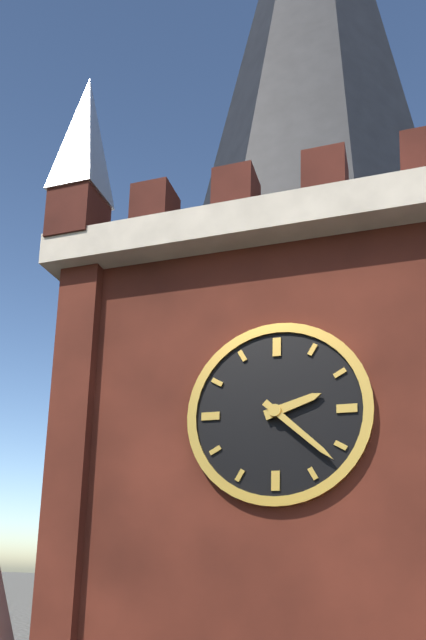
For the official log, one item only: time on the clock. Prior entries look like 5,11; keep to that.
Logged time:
2,22
